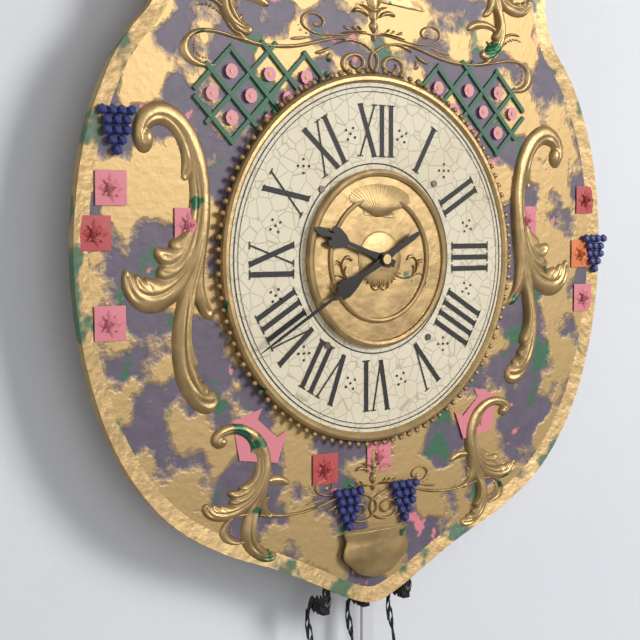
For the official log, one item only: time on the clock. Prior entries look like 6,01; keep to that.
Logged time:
9,40
